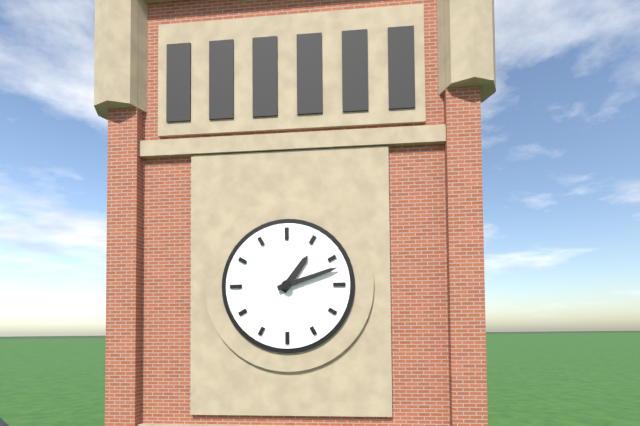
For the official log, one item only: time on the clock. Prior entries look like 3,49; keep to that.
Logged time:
1,12
